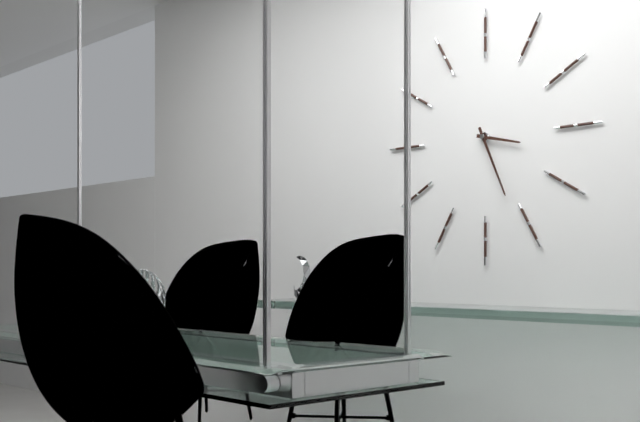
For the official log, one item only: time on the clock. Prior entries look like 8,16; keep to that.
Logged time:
3,26
